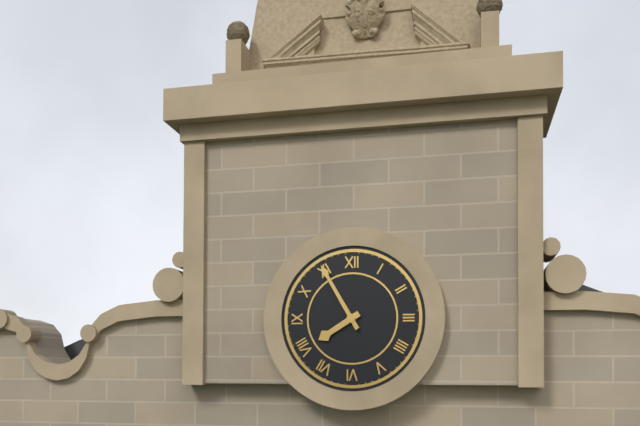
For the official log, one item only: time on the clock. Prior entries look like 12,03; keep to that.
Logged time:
7,55
